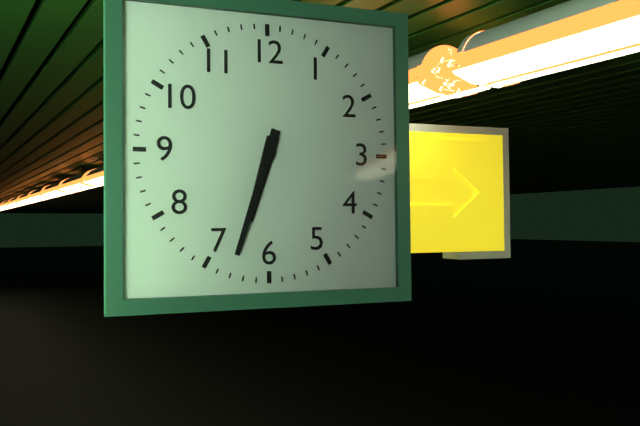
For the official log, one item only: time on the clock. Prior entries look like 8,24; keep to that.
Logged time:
6,33
